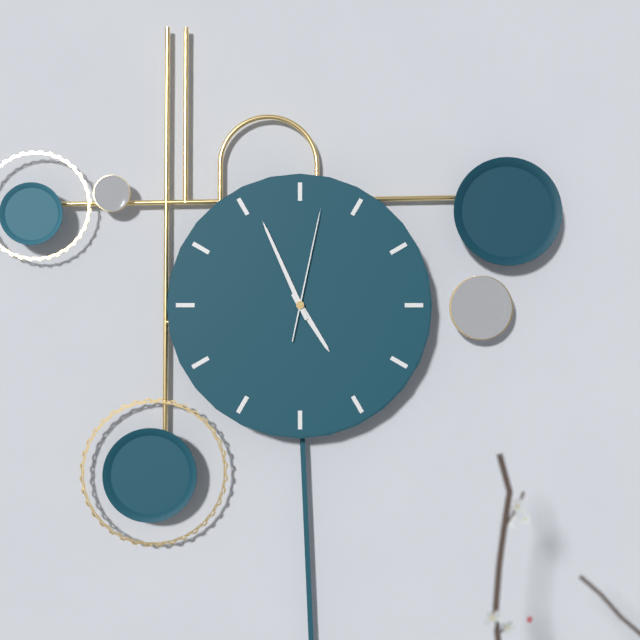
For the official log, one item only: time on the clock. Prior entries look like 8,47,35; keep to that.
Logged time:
4,56,02
